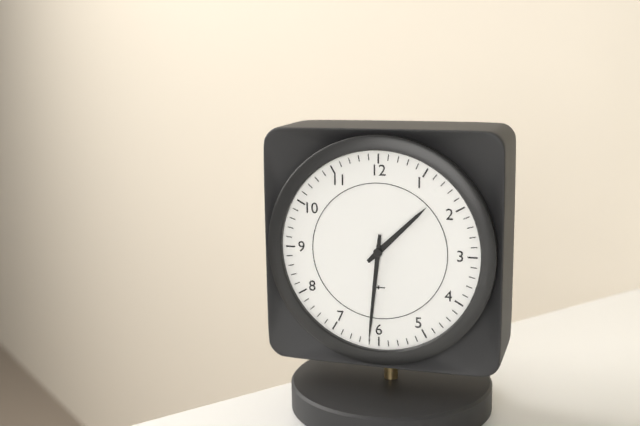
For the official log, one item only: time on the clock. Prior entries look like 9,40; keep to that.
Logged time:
1,31
